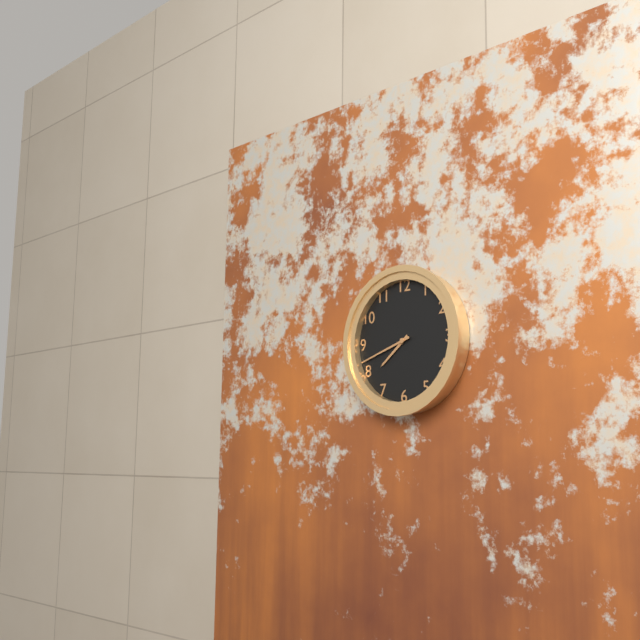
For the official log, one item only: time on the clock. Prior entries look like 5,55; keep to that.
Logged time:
7,42
